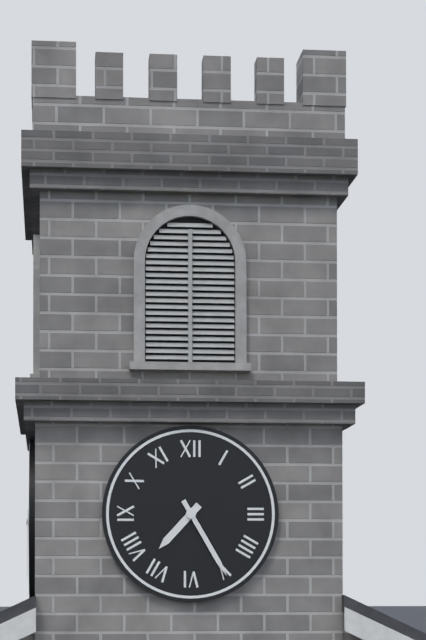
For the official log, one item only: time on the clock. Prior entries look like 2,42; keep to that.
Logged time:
7,25
